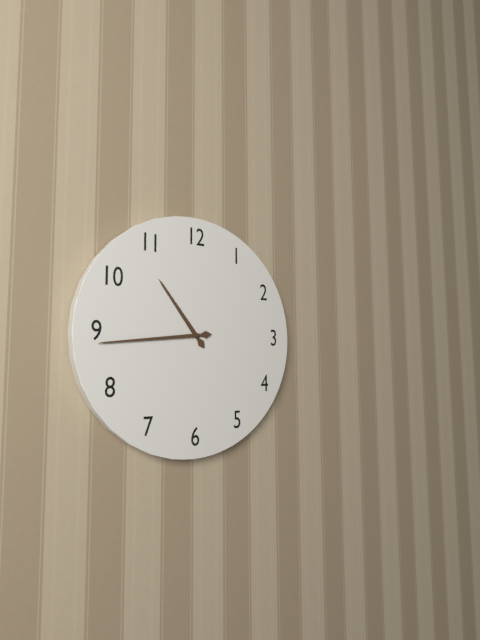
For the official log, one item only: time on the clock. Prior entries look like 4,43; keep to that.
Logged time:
10,44
